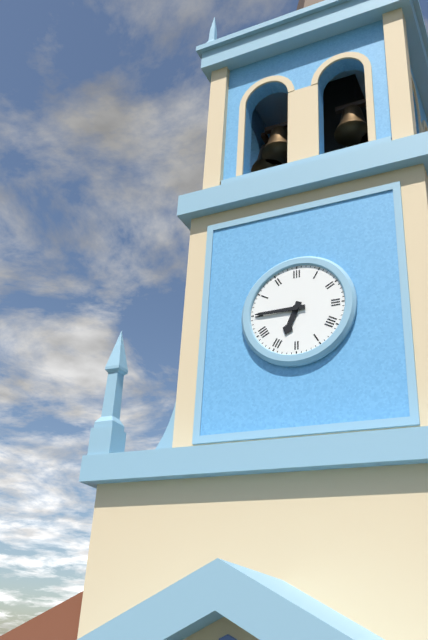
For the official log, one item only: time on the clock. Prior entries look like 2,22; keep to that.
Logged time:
6,45
